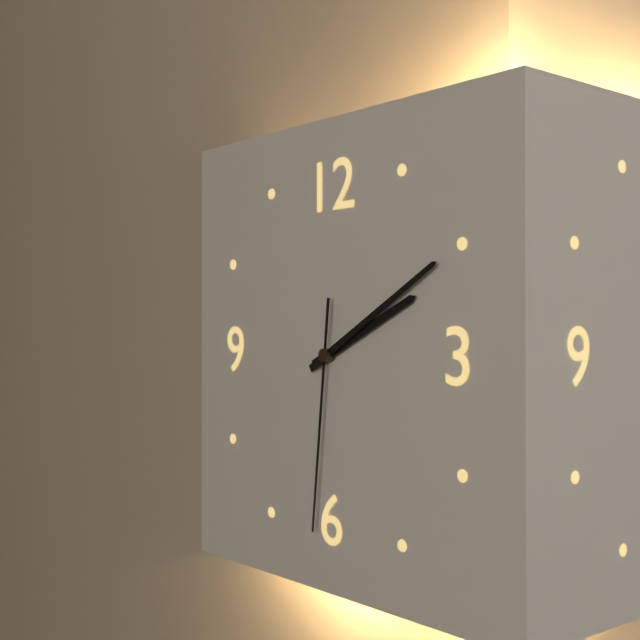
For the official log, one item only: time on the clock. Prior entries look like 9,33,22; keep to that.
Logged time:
2,10,31
